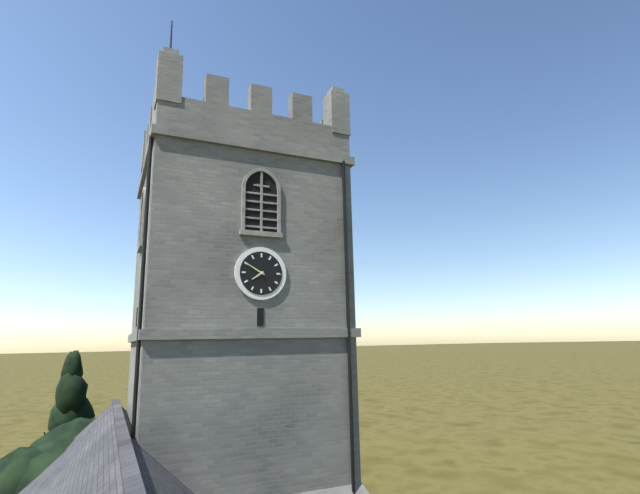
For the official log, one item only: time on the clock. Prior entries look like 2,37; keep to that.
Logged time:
7,50
